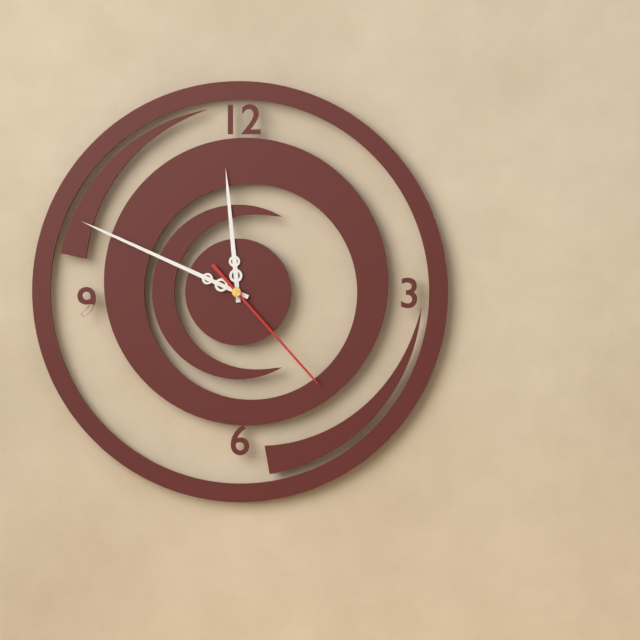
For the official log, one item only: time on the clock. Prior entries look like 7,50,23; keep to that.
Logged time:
11,49,23
